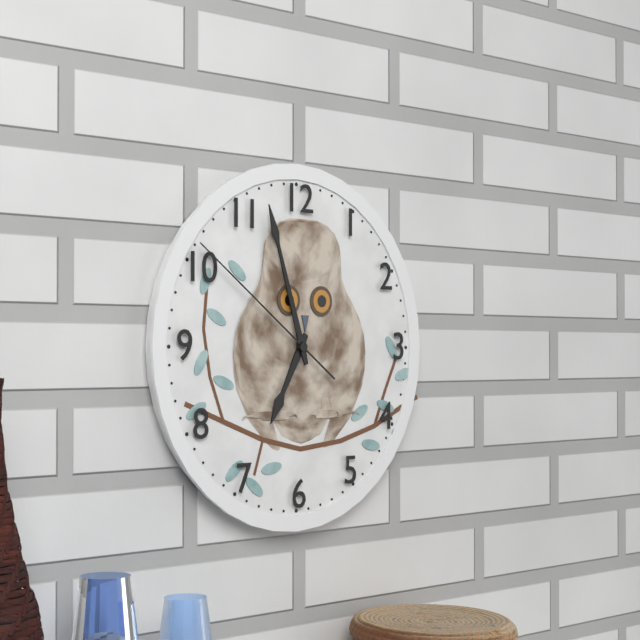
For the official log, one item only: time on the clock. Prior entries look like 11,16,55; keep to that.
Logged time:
6,57,51
